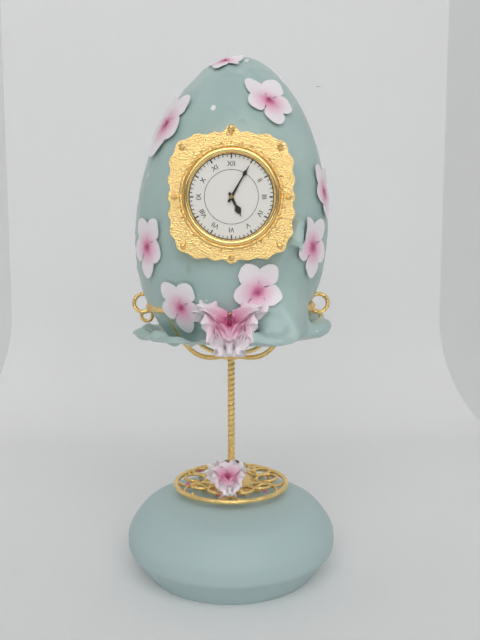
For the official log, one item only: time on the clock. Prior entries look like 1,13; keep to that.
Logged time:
5,05
